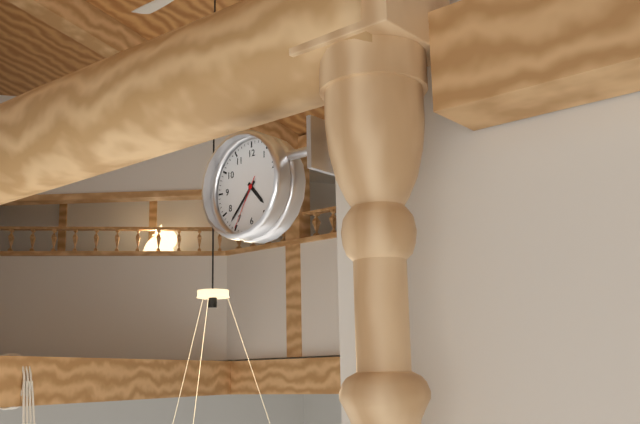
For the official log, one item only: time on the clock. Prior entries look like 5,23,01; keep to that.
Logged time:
4,37,35
